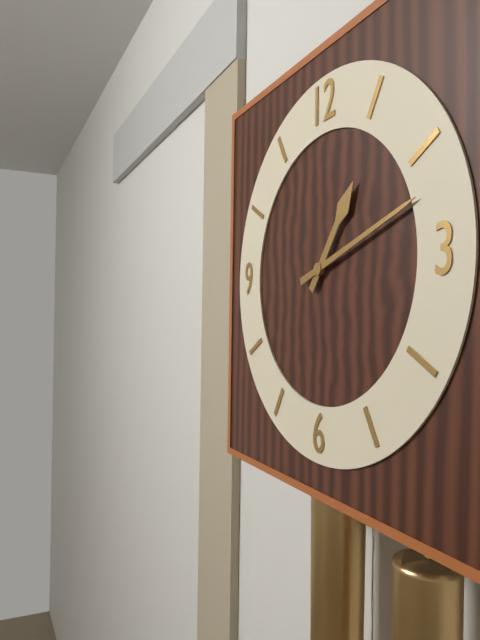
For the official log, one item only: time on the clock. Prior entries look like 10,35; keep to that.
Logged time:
1,12
